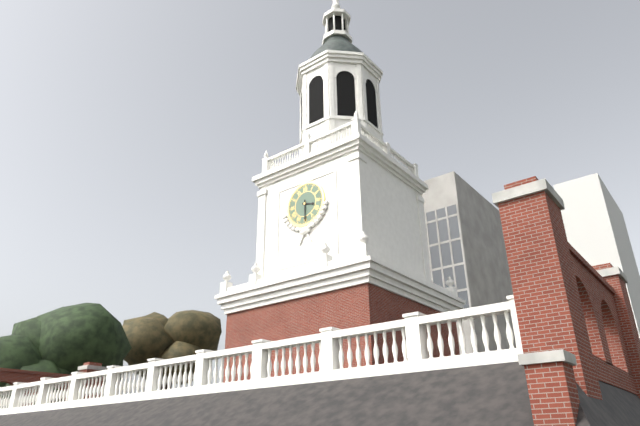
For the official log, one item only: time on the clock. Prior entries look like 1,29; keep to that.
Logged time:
3,30
